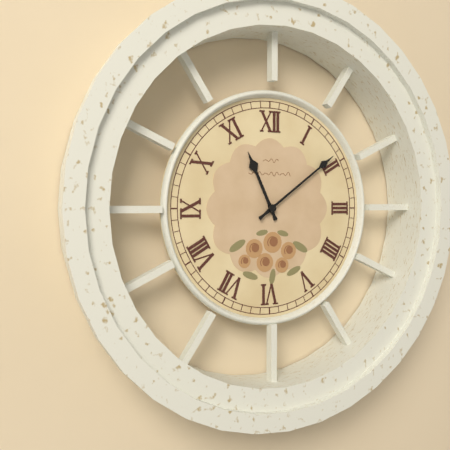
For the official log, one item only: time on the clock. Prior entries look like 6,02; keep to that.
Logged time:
11,09
